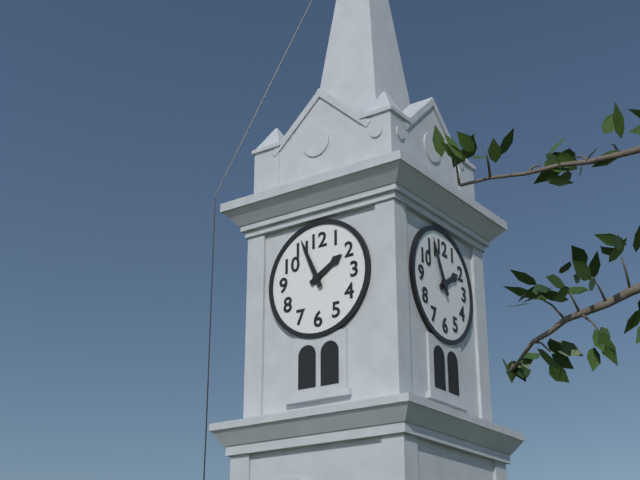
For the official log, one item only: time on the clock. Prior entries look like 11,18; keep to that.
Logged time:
1,56
